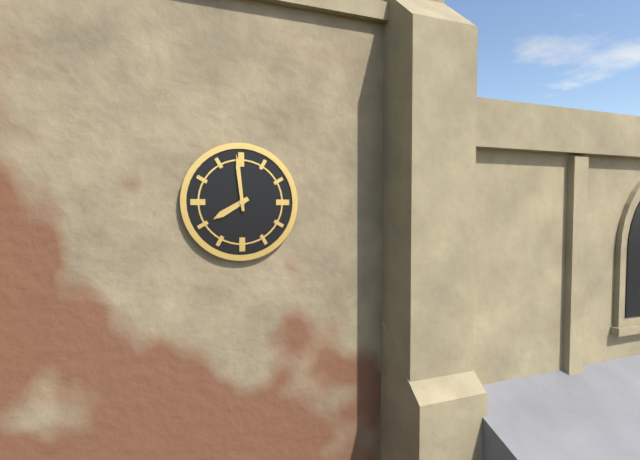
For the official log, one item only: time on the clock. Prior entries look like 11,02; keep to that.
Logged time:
7,59
